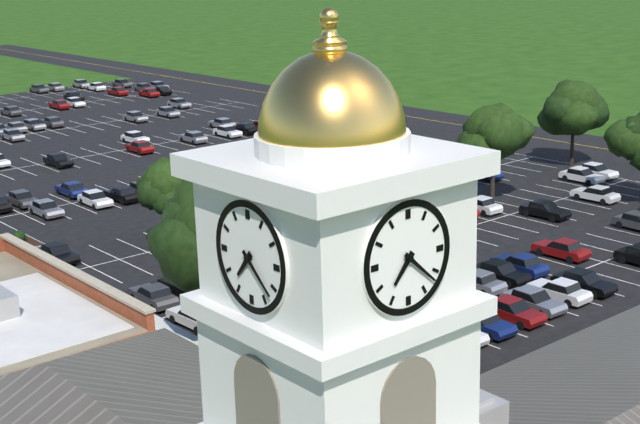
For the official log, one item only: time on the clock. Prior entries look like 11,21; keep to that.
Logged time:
7,22
